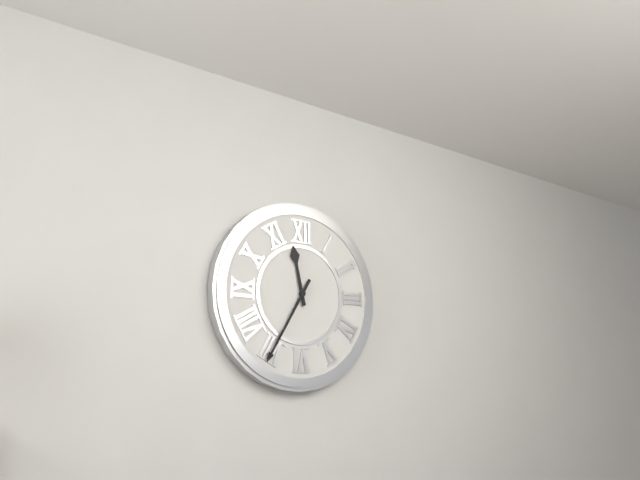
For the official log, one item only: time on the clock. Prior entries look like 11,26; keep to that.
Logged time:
11,35
